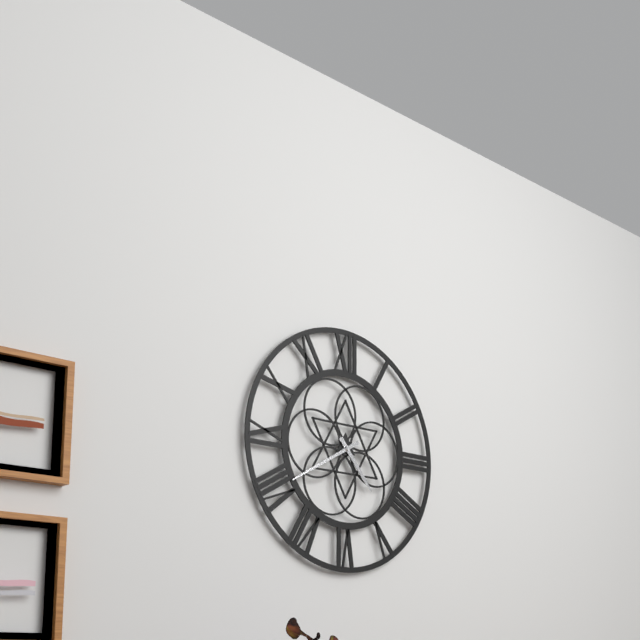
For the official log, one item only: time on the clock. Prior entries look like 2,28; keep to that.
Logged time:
4,40
